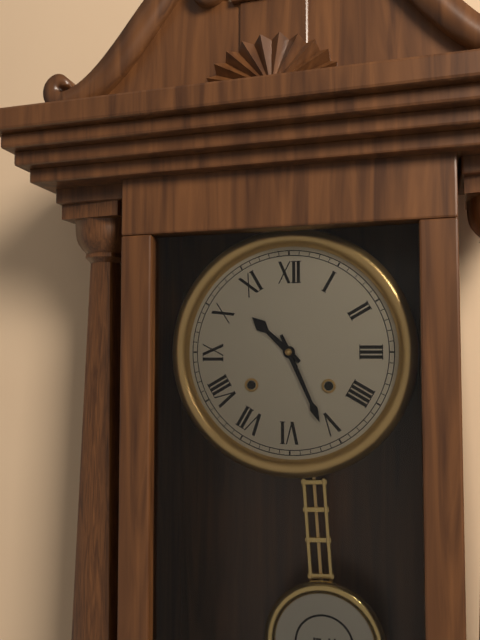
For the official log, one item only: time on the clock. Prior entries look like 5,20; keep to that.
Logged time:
10,26
